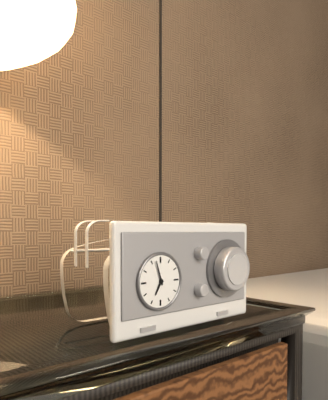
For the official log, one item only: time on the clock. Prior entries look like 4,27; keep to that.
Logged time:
6,57
